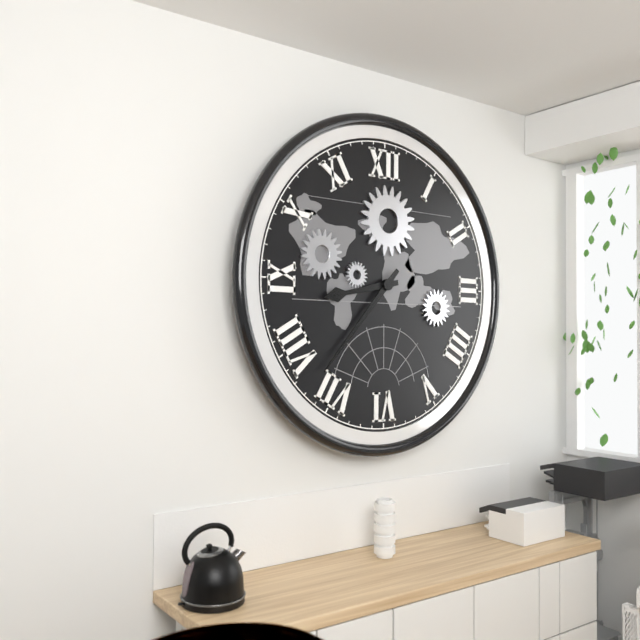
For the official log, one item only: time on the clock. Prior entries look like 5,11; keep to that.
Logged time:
8,37
